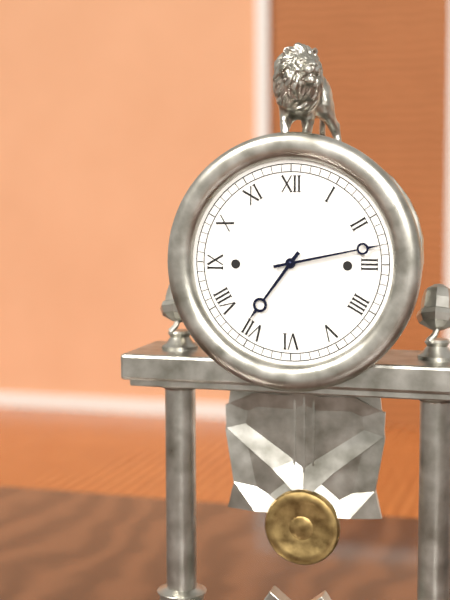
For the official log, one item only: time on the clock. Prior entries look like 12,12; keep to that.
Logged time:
7,13
